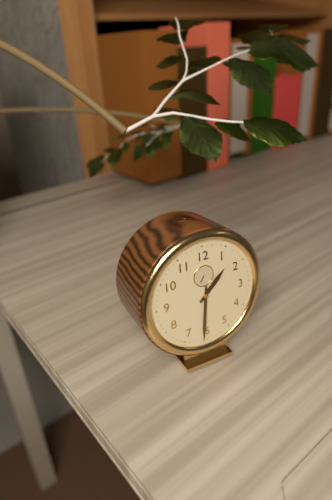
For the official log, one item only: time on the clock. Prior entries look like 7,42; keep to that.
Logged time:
1,31
